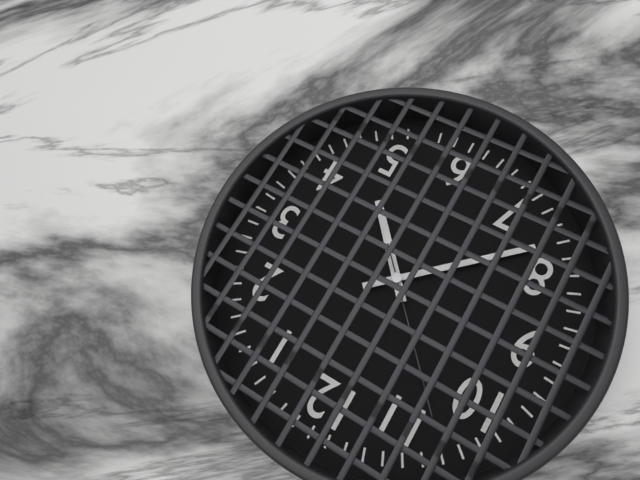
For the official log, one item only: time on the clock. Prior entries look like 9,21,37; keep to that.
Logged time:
4,38,53
